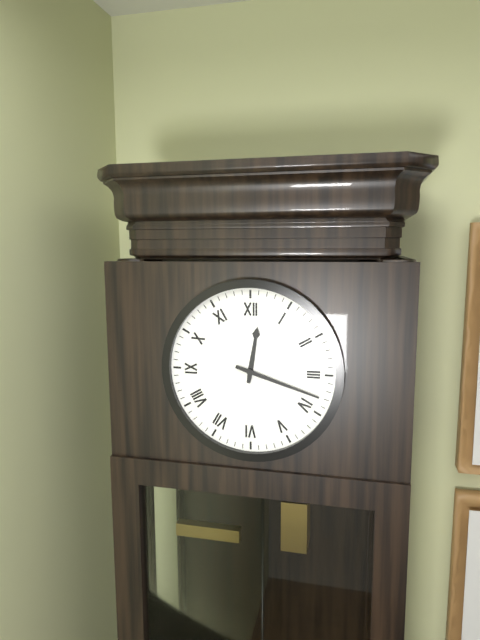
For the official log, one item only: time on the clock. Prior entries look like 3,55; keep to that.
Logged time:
12,18
